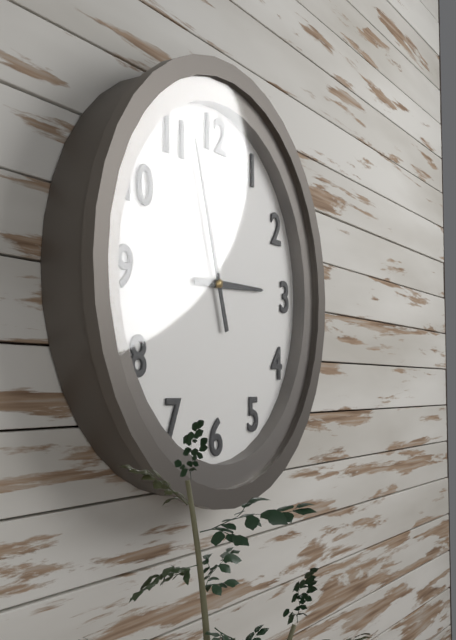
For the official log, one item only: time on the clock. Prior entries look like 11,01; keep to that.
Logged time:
2,57
